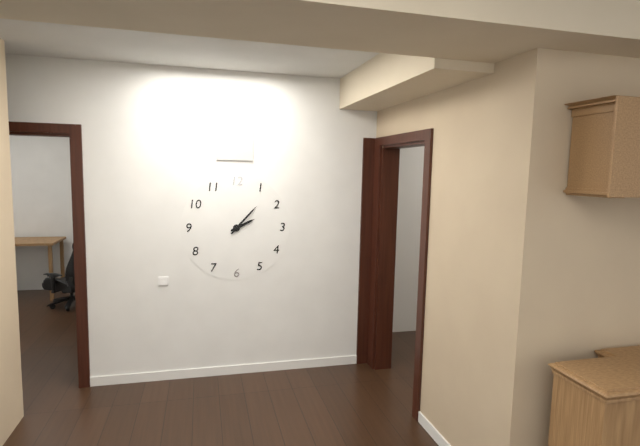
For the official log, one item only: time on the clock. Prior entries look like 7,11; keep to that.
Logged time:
2,07
